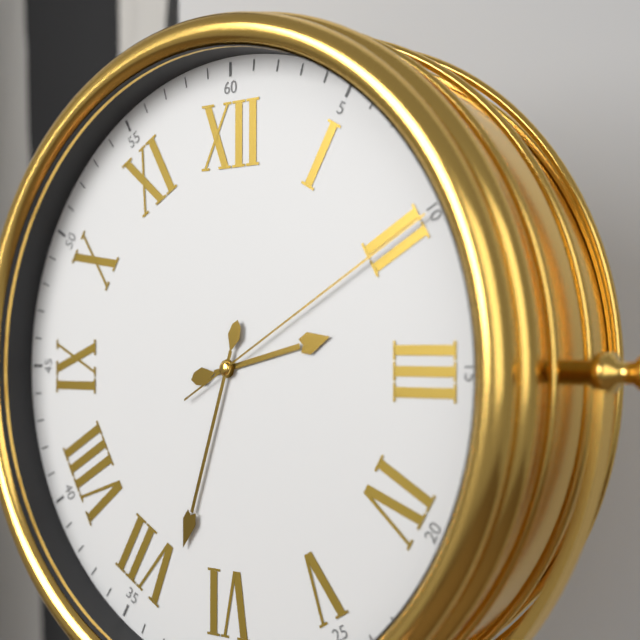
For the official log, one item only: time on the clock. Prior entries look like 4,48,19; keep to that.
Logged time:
2,33,10
